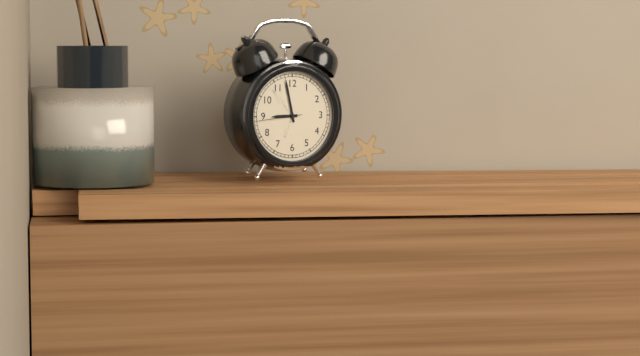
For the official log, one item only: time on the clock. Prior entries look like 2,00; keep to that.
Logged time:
8,58
